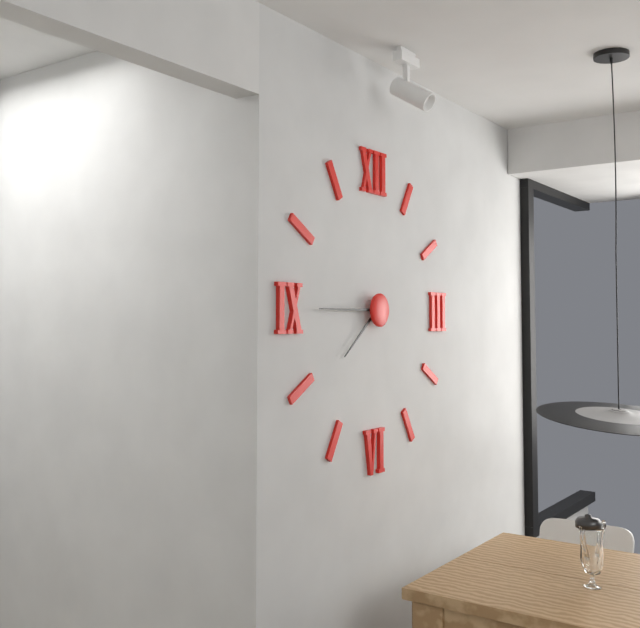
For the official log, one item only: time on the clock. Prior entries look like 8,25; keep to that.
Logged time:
7,45
